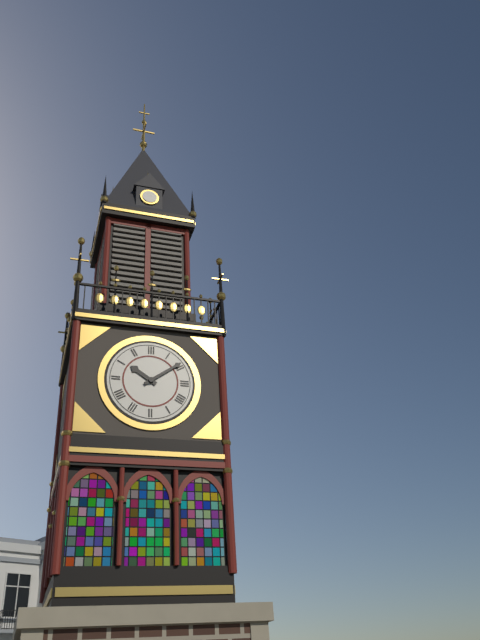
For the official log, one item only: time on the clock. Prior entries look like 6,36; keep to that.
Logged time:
10,09
